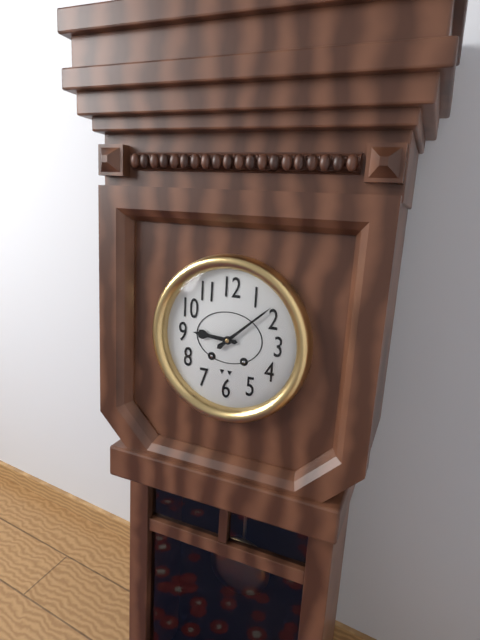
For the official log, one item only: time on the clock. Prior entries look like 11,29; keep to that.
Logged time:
9,08
